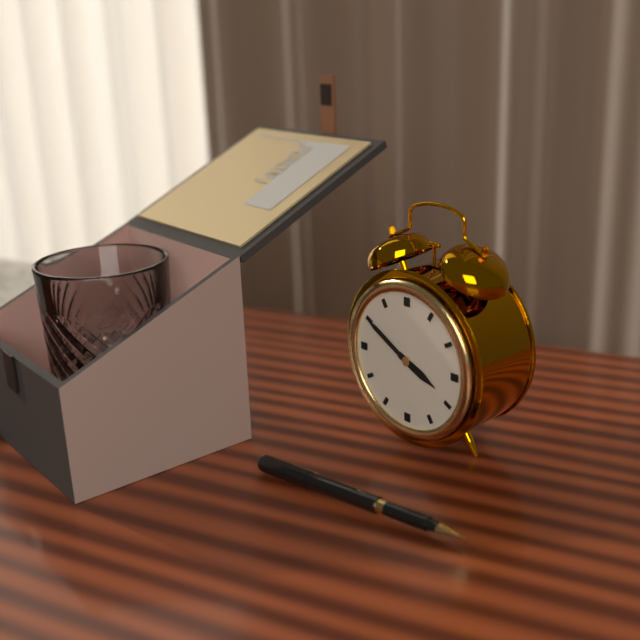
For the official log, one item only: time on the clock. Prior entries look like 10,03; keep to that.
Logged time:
3,50
